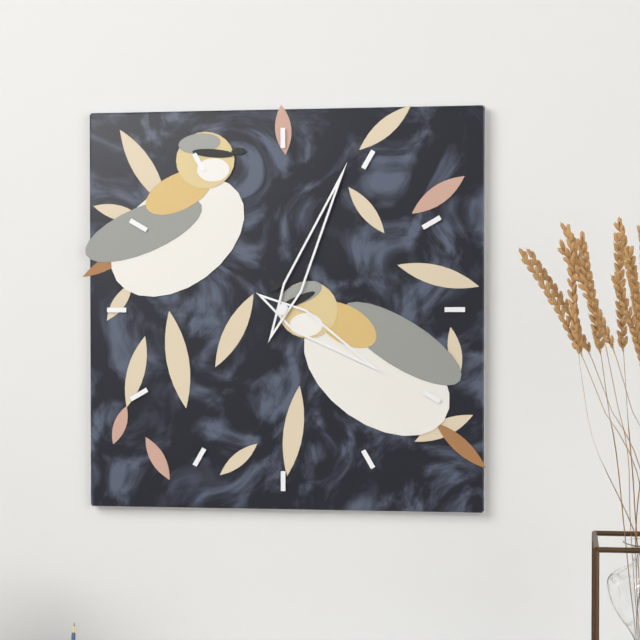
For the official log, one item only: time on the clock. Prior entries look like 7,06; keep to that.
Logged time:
4,04
